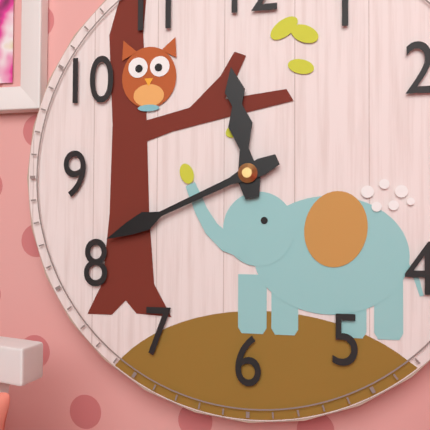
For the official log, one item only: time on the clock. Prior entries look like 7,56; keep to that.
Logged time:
11,41
